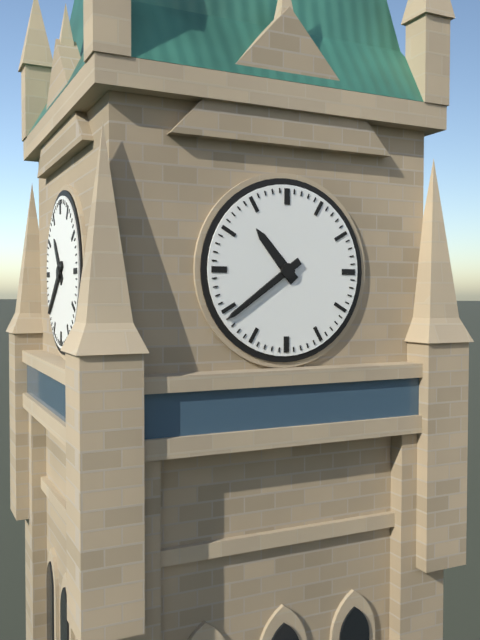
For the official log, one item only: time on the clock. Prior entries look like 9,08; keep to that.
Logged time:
10,39
